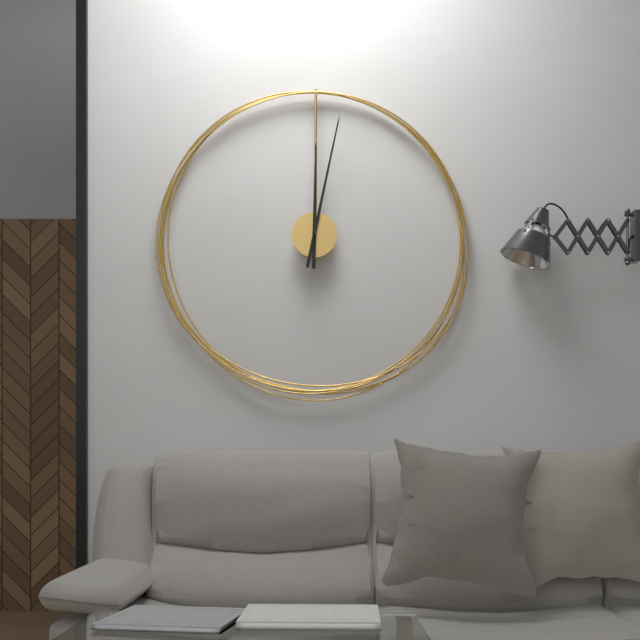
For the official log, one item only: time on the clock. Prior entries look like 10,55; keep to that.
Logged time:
12,02
